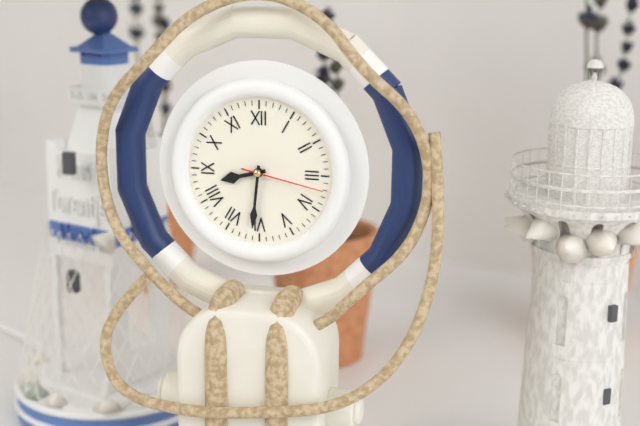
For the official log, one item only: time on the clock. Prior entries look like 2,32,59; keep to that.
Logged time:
8,31,17
